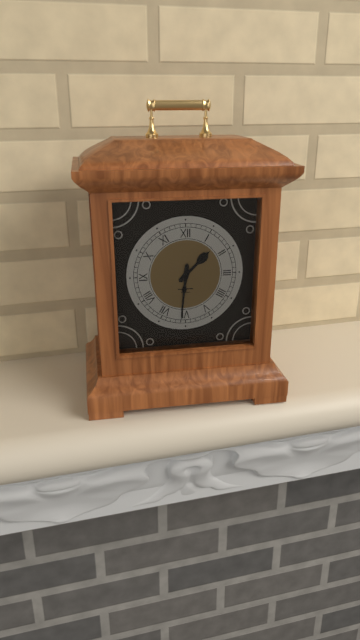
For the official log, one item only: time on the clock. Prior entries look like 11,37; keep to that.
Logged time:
1,31
